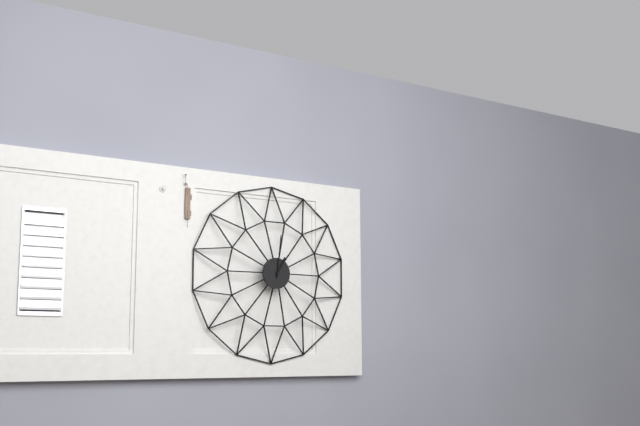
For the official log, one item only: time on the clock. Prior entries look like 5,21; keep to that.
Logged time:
1,01
